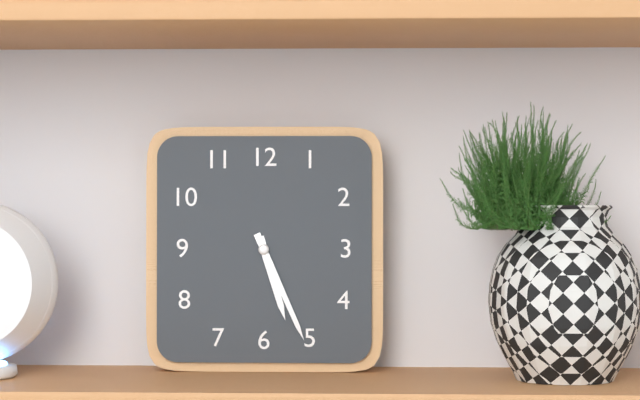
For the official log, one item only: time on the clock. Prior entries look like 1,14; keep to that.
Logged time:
5,26
